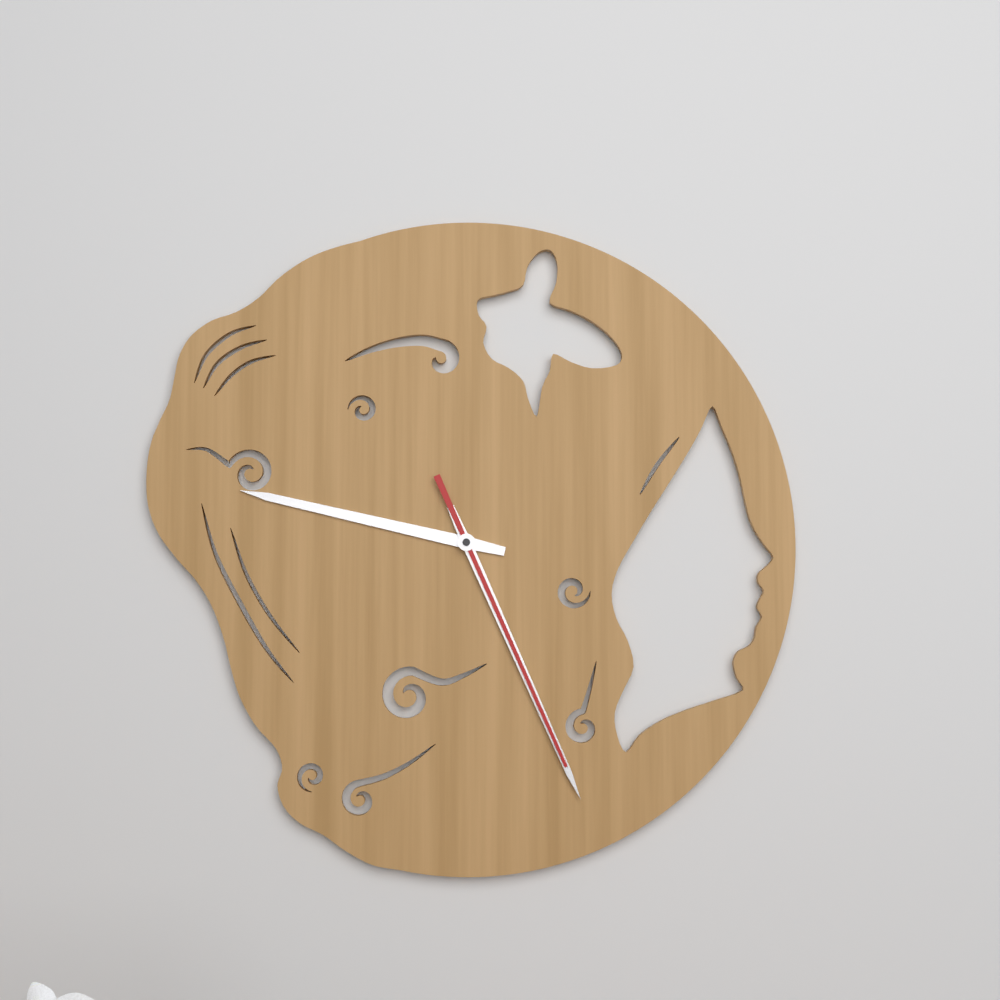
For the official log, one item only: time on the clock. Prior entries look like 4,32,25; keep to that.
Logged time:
9,26,26
